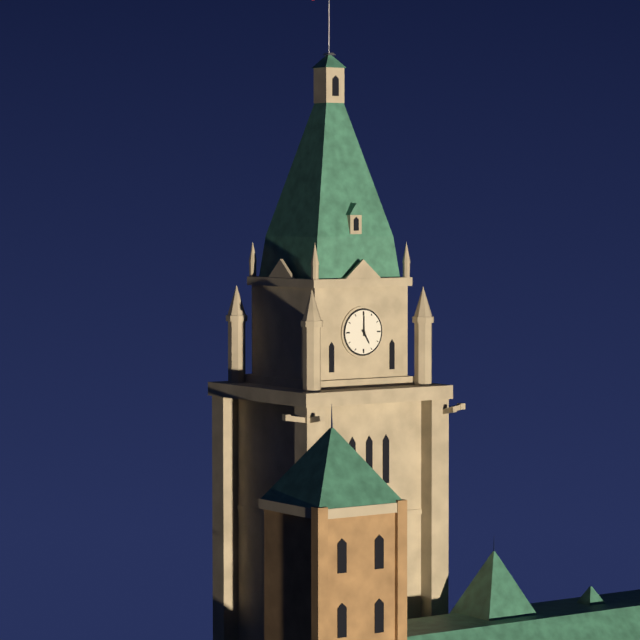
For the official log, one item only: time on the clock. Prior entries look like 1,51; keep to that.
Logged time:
5,00
